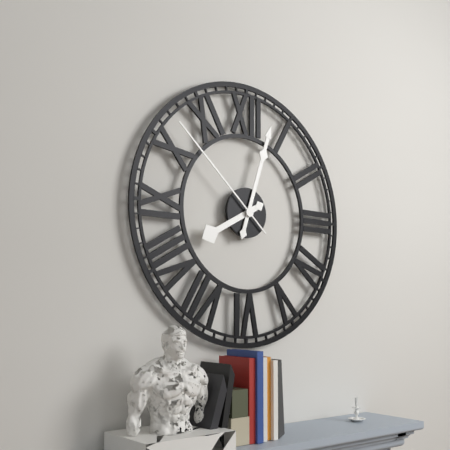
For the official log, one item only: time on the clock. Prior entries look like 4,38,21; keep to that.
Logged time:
8,03,52
